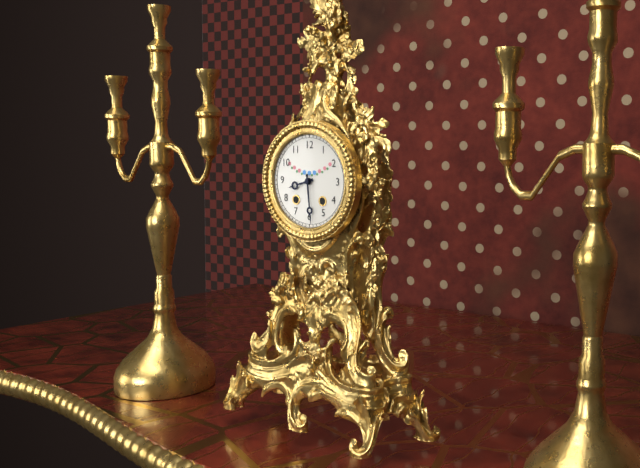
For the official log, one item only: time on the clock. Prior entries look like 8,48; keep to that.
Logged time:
8,29
